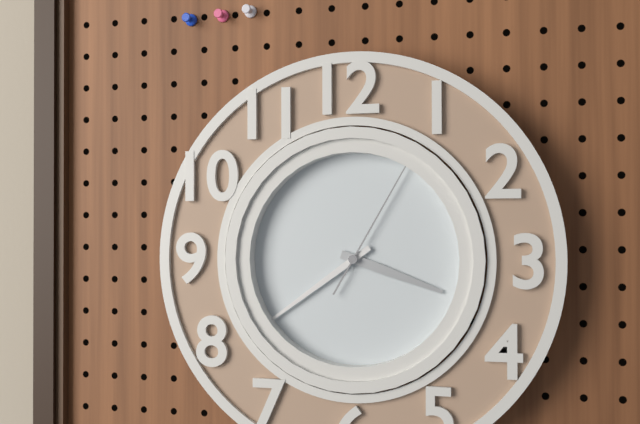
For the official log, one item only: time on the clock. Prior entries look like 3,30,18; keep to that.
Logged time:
3,39,05
